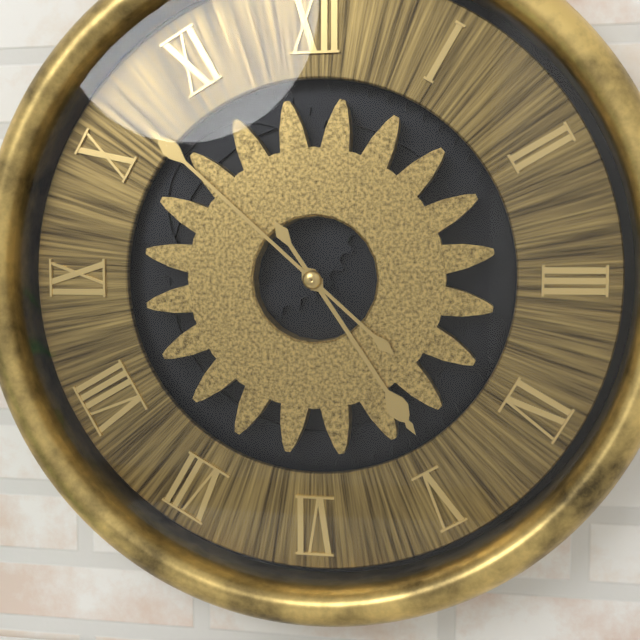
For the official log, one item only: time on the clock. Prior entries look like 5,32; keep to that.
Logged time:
4,52
